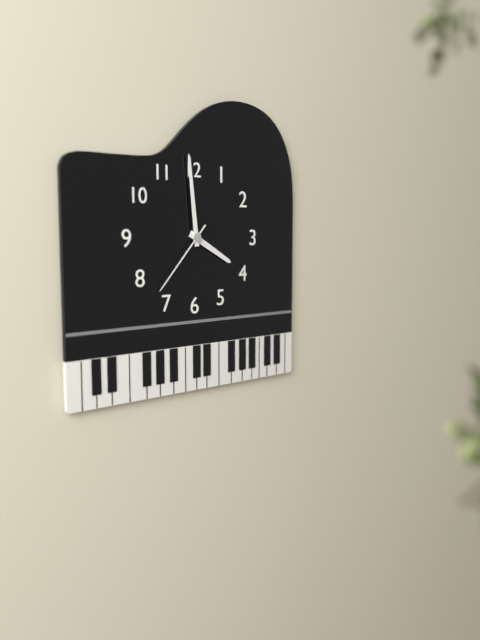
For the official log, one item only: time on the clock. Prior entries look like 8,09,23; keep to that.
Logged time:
3,59,37
